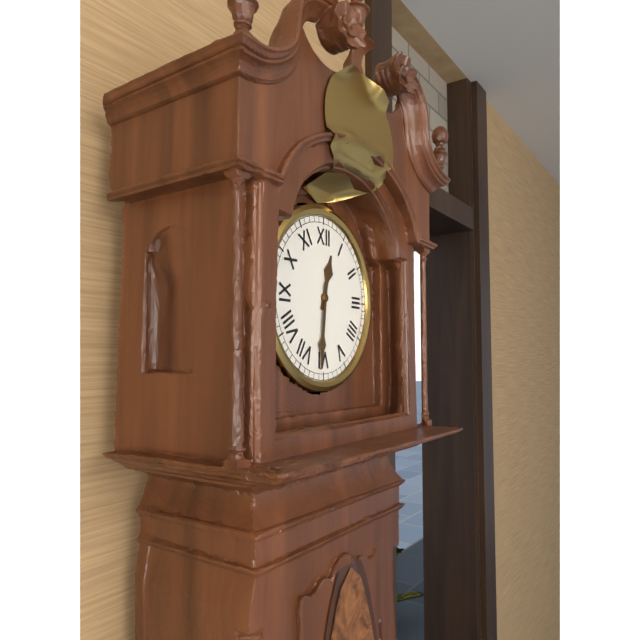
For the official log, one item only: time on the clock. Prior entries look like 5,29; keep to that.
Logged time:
12,31
